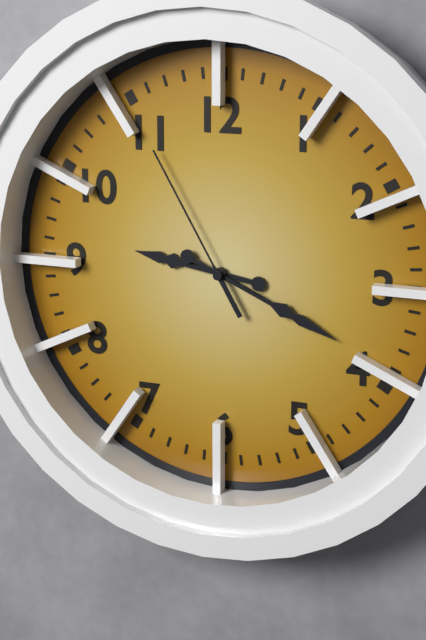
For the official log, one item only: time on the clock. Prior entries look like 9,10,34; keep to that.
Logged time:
9,19,55
